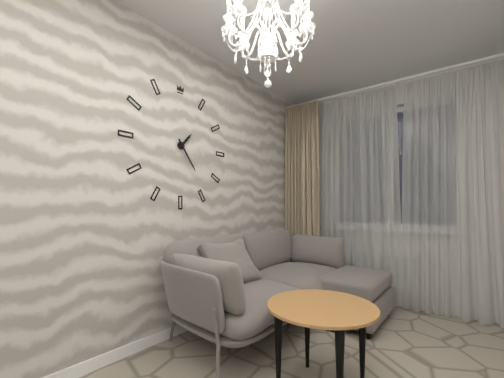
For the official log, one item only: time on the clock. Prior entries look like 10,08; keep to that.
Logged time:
1,24
